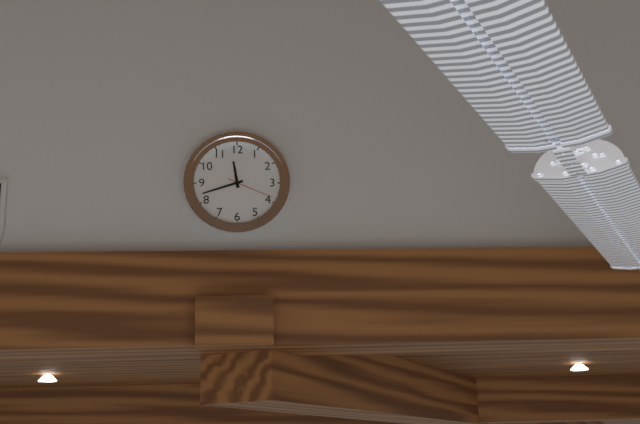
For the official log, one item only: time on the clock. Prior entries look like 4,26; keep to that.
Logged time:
11,42
